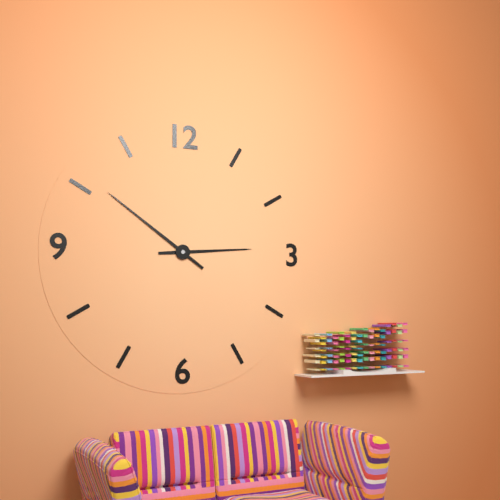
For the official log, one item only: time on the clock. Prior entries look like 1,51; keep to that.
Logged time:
2,51
